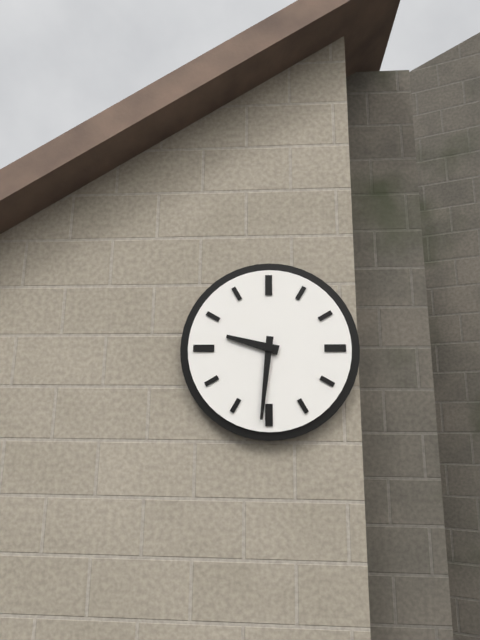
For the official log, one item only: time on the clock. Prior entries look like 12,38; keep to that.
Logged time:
9,31
